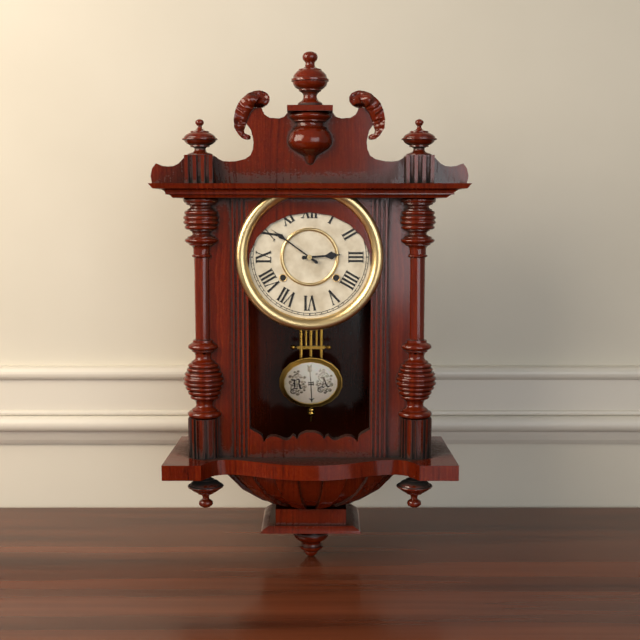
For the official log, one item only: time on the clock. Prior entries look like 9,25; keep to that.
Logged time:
2,51
